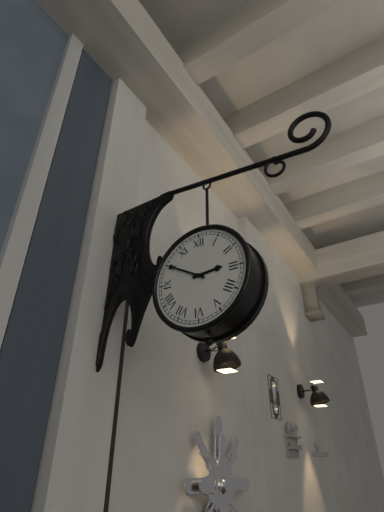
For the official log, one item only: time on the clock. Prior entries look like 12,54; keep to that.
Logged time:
2,50
